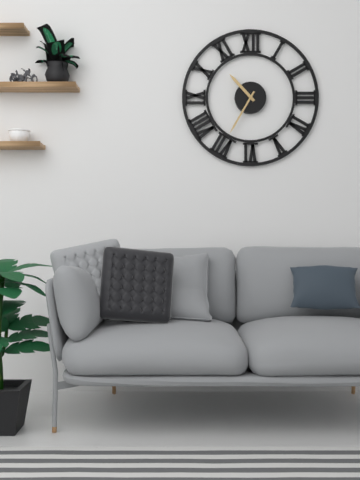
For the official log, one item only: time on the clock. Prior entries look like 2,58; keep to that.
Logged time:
10,35
